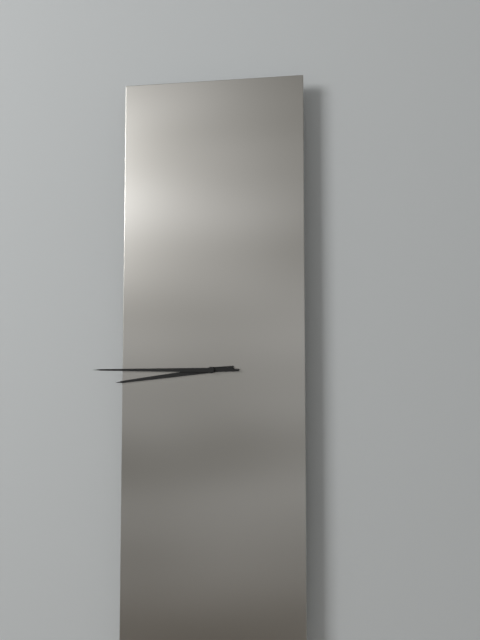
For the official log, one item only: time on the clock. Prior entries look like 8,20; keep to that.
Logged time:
8,45
